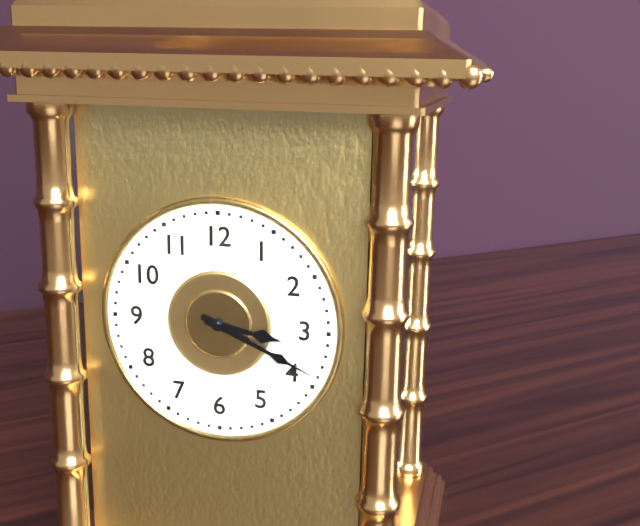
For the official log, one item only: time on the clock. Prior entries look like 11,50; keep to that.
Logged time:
3,19
